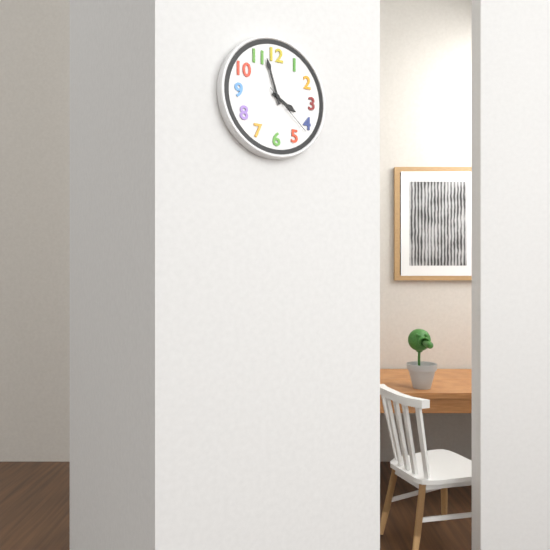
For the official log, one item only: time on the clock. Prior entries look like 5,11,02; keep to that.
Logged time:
3,57,22
